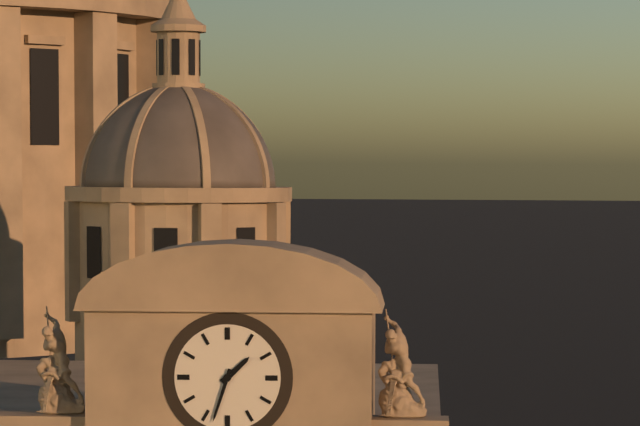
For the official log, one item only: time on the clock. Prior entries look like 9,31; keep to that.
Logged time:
1,33
